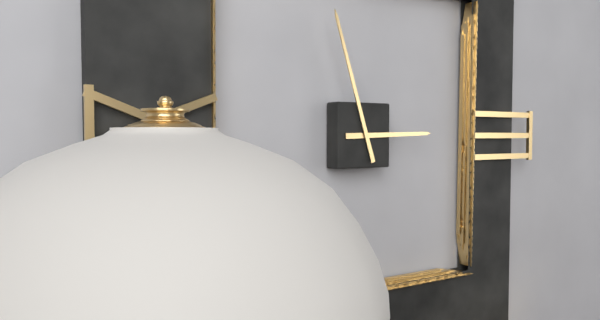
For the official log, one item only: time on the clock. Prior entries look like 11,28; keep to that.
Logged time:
2,57
